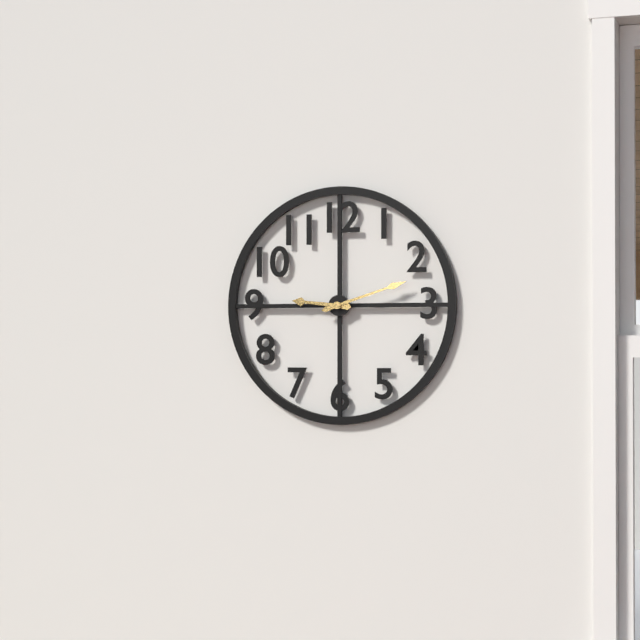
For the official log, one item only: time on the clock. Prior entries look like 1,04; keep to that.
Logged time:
9,12
